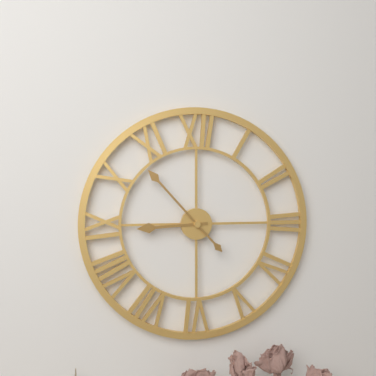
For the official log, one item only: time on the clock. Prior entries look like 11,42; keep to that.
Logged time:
8,53
